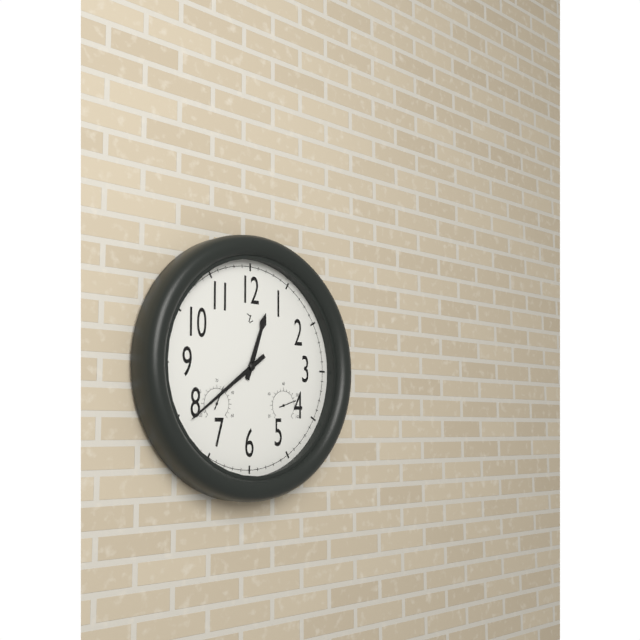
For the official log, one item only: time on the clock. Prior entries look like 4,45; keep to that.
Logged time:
12,39
